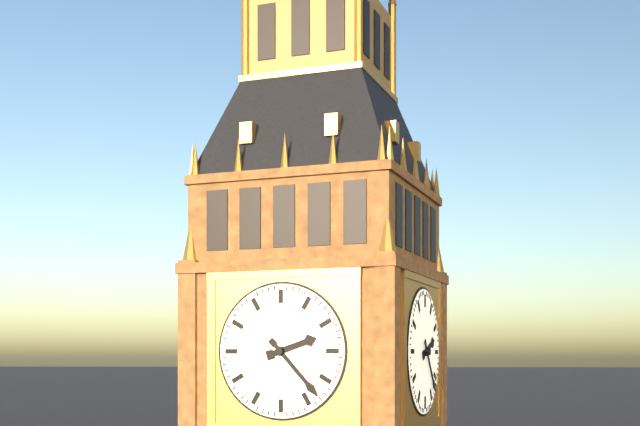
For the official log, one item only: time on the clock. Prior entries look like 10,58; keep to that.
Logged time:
2,23
